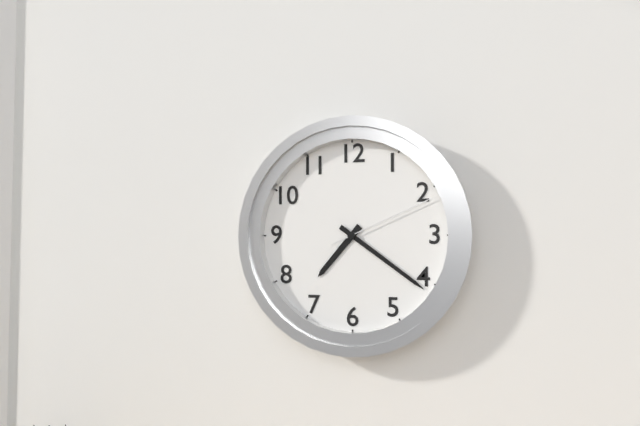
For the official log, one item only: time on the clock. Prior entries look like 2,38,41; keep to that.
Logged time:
7,21,11
